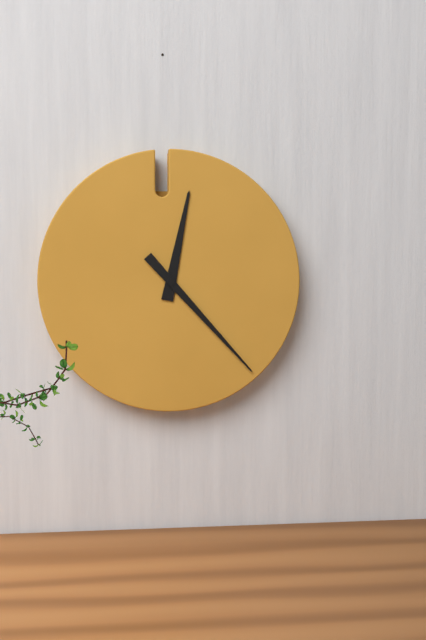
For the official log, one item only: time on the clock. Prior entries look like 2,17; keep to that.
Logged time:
12,23
